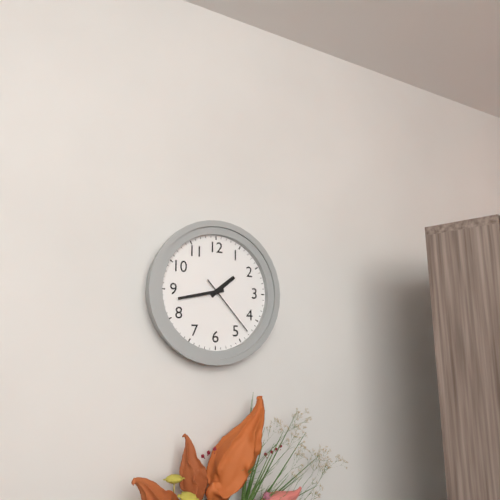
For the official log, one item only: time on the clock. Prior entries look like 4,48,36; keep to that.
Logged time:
1,43,23
